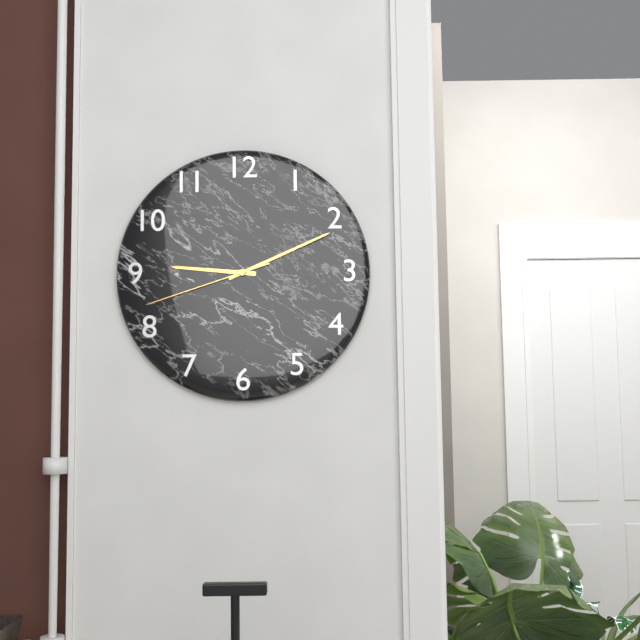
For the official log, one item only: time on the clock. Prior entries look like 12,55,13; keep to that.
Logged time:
9,11,42
